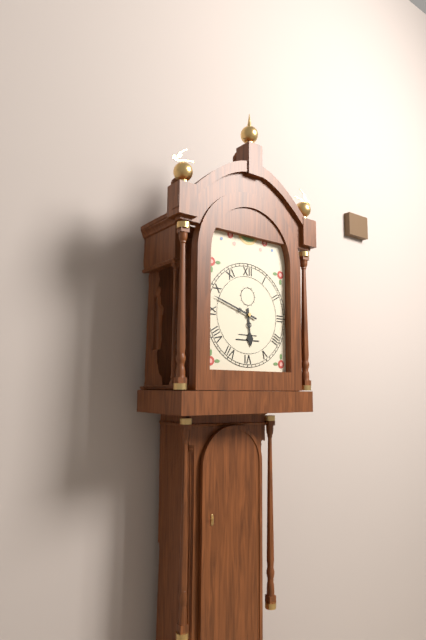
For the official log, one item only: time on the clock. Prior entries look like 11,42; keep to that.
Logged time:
5,48
